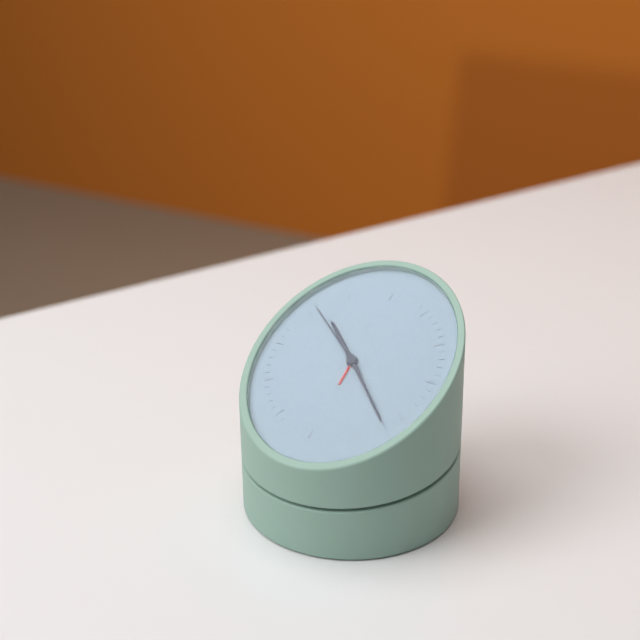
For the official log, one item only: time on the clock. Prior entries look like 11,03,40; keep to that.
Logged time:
10,22,51
